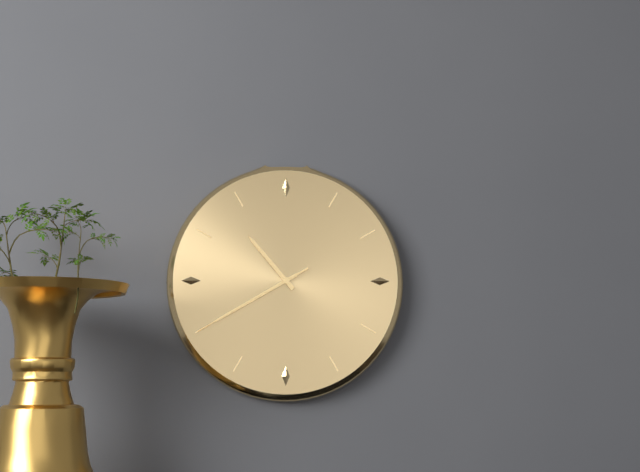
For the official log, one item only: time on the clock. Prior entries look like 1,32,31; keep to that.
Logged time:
10,40,40
